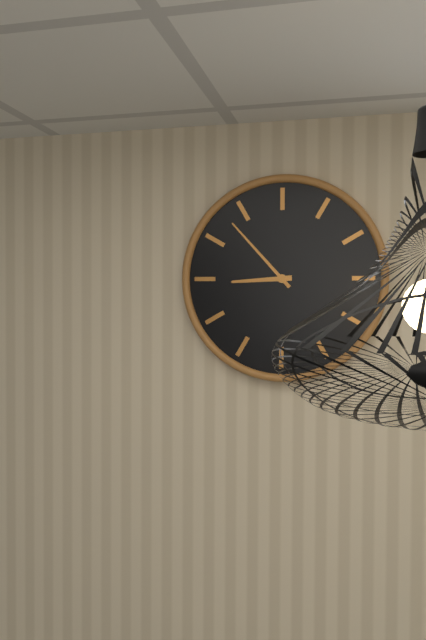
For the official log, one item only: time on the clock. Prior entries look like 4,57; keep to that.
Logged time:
8,53
